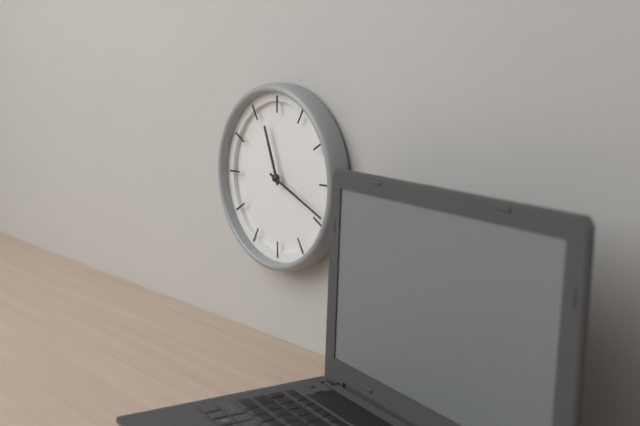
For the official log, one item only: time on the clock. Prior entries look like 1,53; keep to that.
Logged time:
11,19
